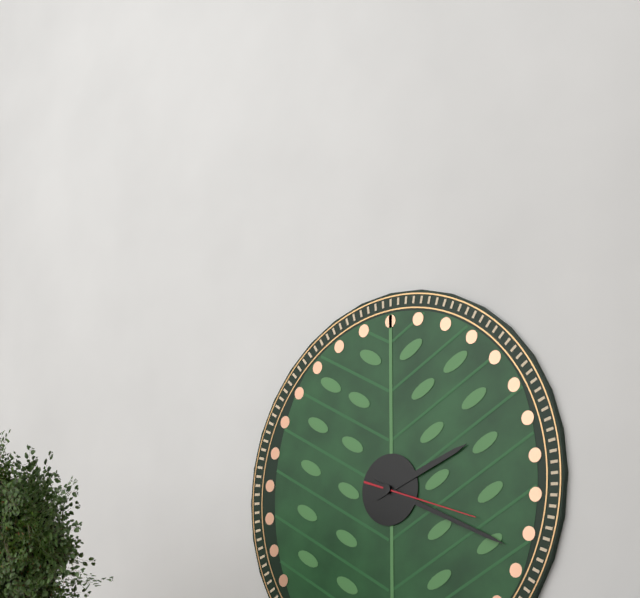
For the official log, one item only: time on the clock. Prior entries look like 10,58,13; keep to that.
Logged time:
2,19,18
